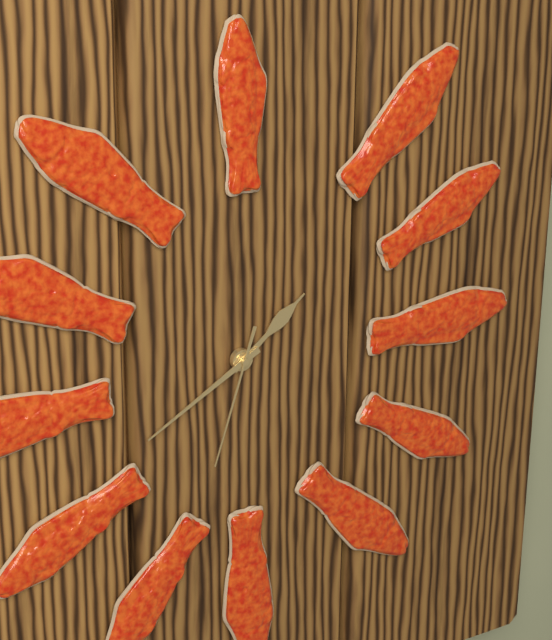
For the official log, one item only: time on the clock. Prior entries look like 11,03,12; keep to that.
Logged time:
1,40,33
